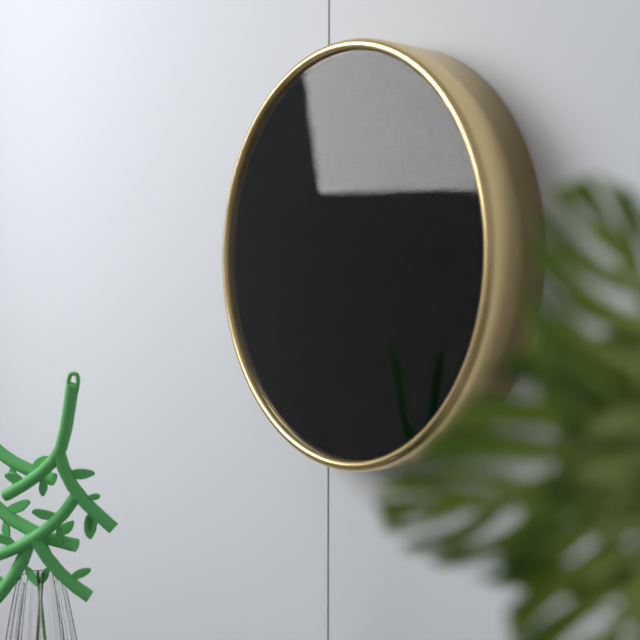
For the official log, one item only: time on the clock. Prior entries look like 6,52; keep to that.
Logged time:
7,15
